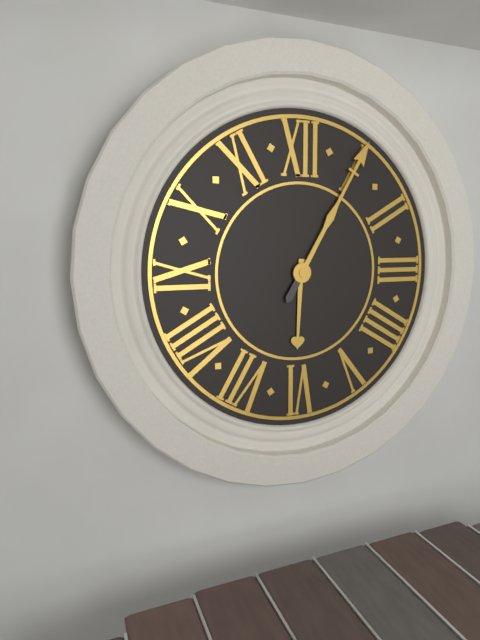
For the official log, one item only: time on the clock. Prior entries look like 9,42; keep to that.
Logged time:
6,05
